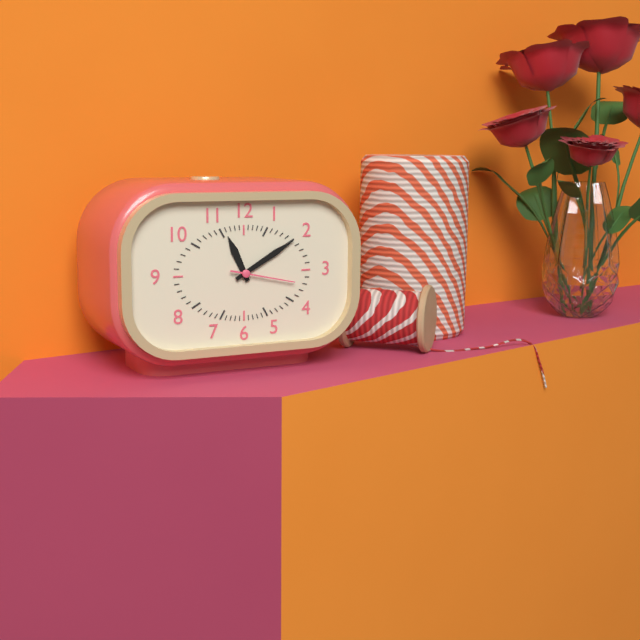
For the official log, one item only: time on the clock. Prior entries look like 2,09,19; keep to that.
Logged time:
11,10,17
